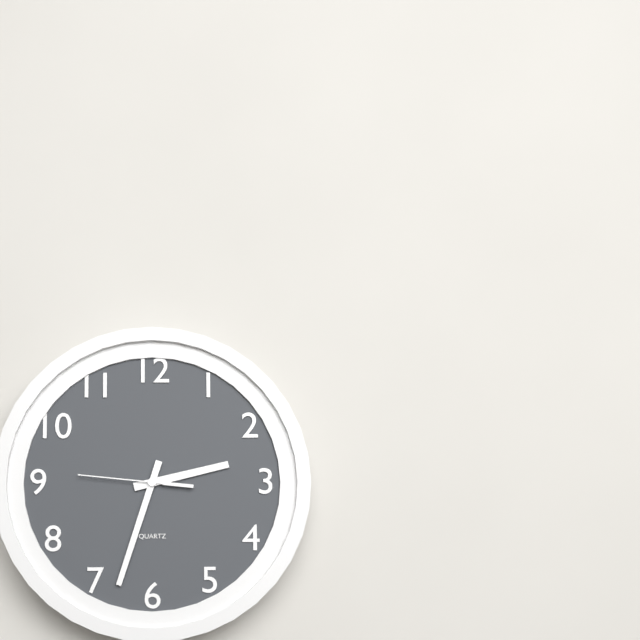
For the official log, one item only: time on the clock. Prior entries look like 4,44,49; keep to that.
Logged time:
2,33,46
